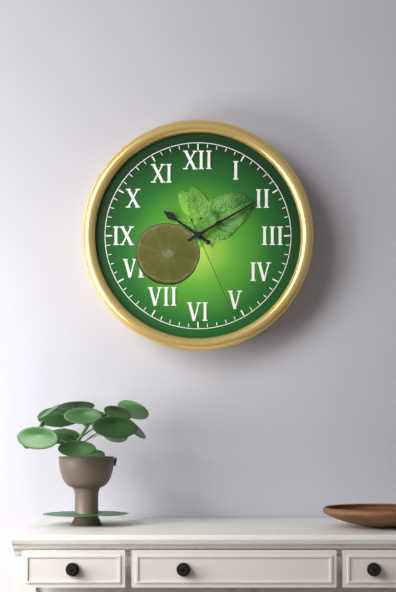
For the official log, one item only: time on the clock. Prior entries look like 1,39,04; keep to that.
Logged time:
10,10,26
